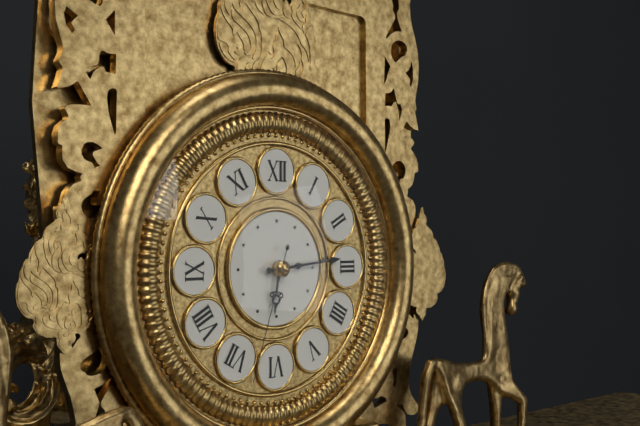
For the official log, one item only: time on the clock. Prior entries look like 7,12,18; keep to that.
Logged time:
6,14,33
